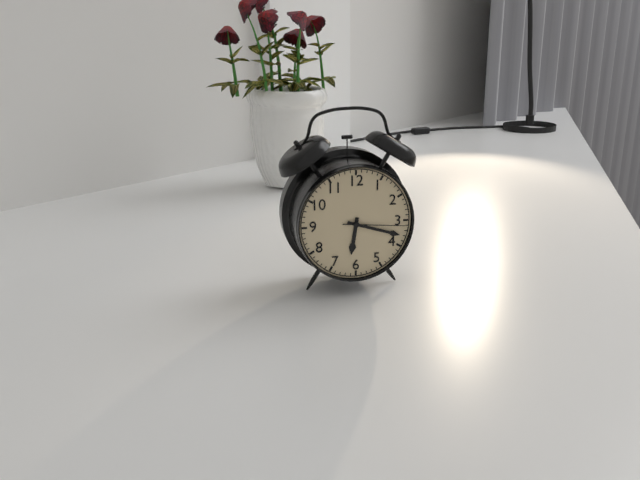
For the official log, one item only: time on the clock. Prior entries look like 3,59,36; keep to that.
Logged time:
6,18,16
